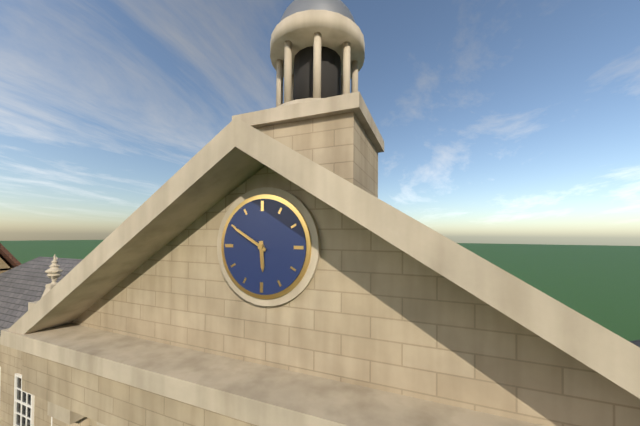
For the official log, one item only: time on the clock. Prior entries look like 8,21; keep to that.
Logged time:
5,50
